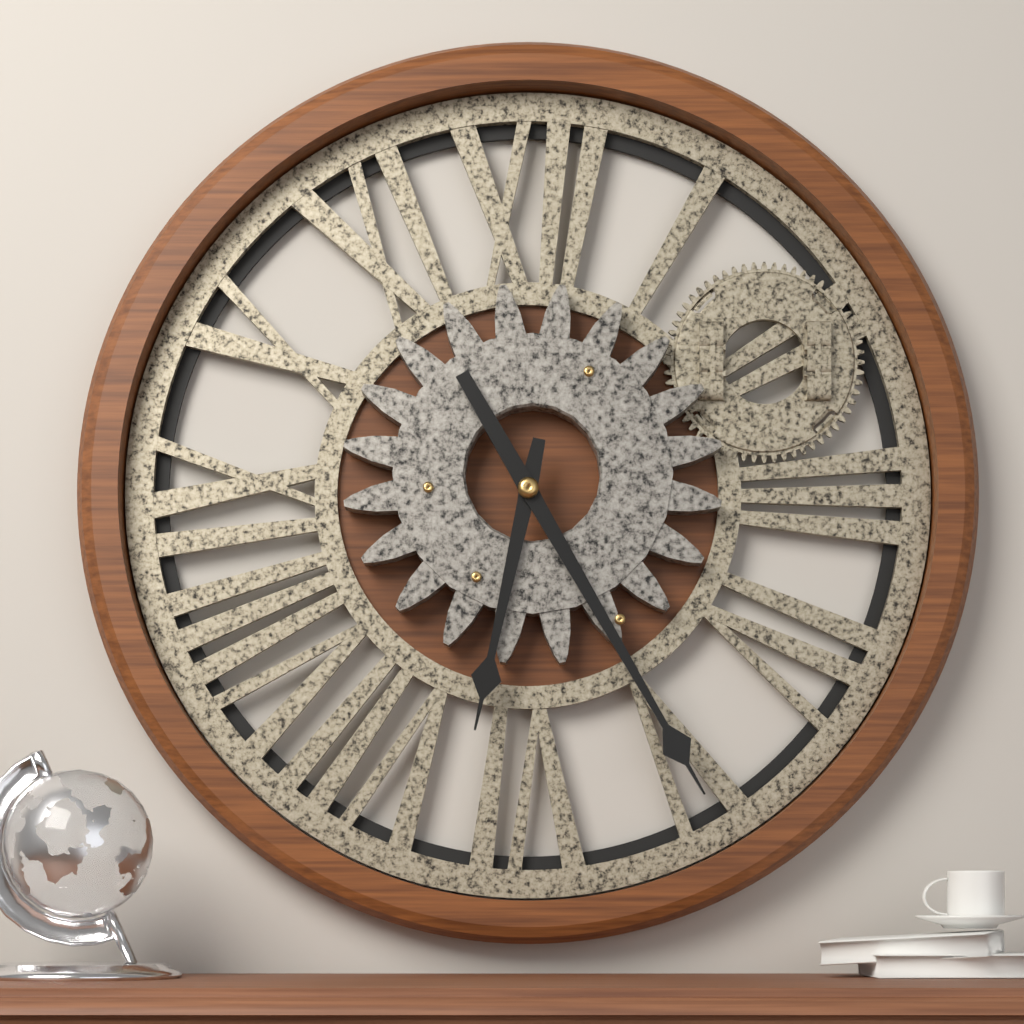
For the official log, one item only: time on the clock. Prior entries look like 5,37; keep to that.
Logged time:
6,25
